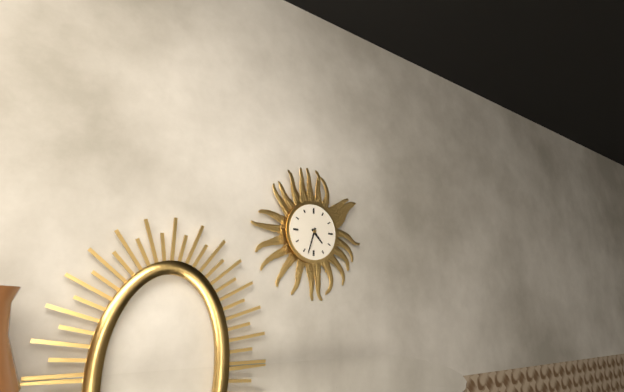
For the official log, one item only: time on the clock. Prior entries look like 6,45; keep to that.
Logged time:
4,33
